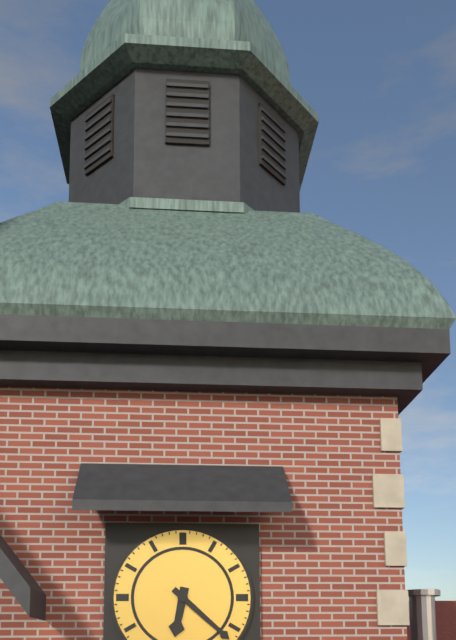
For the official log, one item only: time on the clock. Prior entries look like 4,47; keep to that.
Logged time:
6,22
